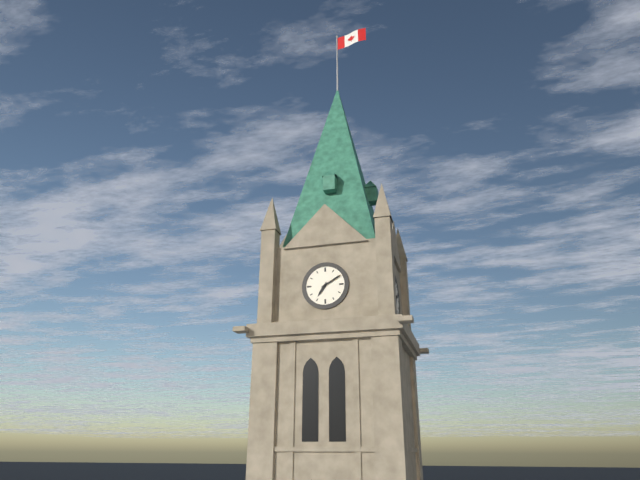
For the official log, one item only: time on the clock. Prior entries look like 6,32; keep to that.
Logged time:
7,10
